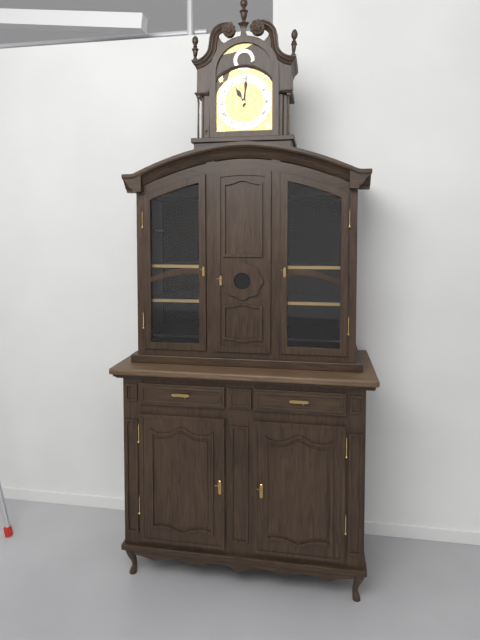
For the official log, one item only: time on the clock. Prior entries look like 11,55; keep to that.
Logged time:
11,01
